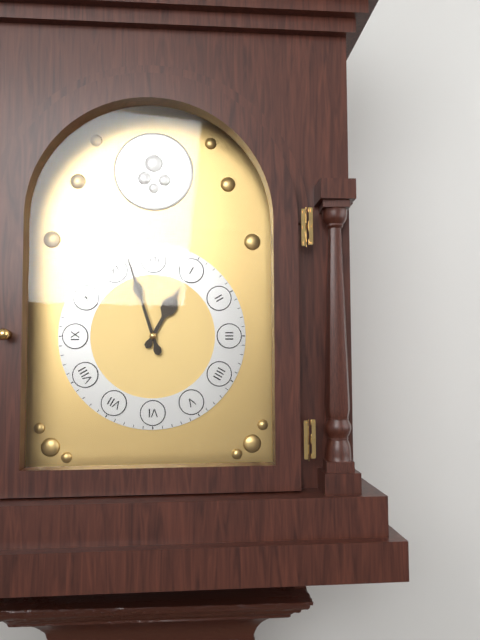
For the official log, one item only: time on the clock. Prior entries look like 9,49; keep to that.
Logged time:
12,57
